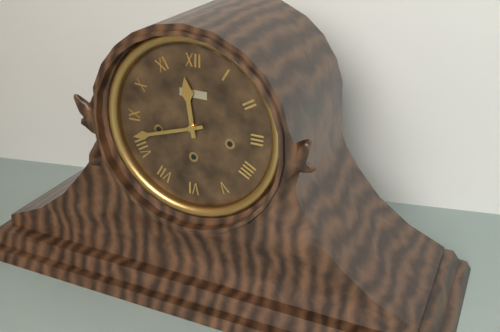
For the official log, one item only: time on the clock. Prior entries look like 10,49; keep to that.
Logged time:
11,42
